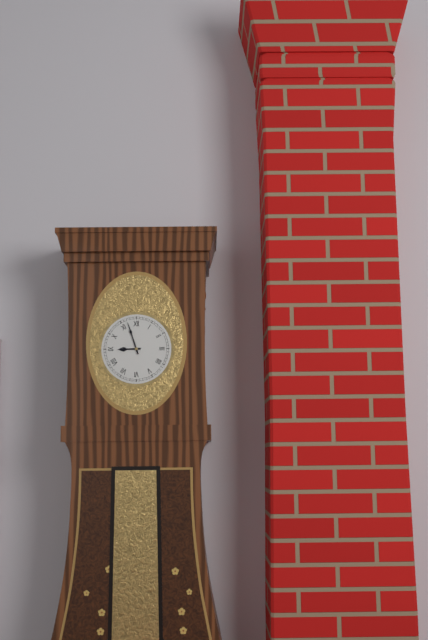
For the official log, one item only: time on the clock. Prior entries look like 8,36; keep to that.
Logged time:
8,57
